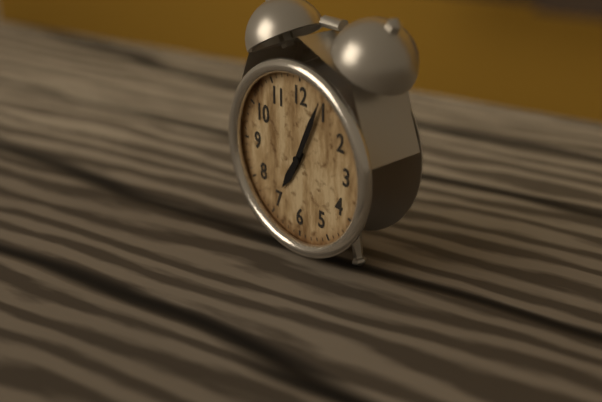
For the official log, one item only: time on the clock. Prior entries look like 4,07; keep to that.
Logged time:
7,04
